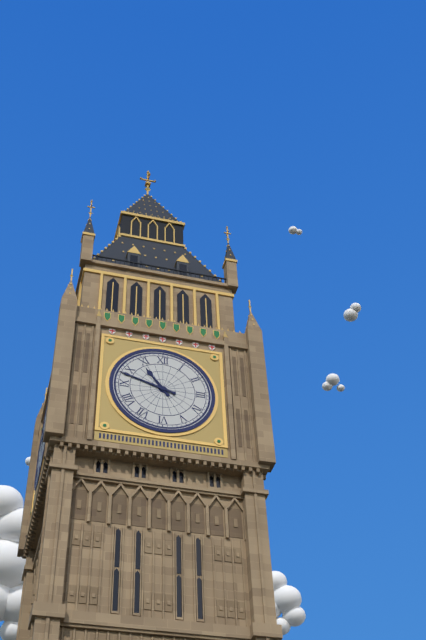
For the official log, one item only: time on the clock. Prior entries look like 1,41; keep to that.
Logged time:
10,48
